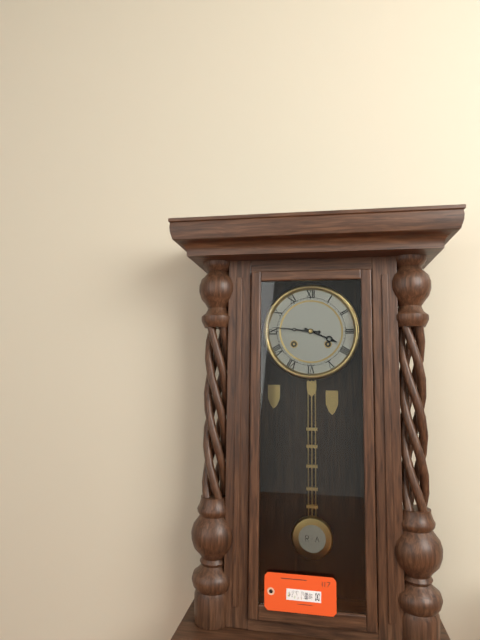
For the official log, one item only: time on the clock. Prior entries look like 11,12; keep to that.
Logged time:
3,46
